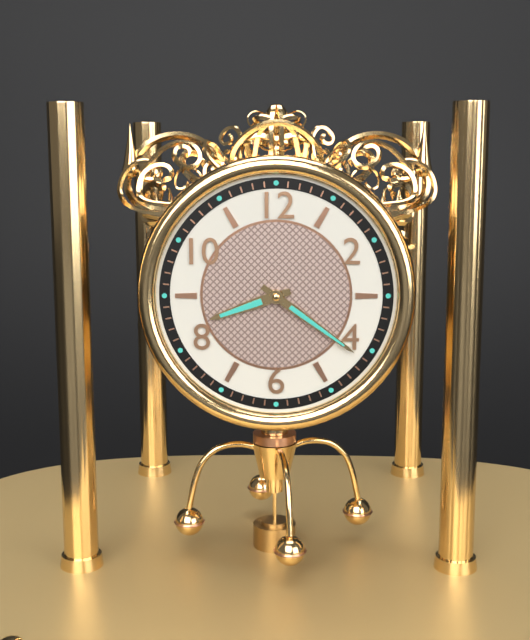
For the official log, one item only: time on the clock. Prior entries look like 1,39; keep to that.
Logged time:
8,21
